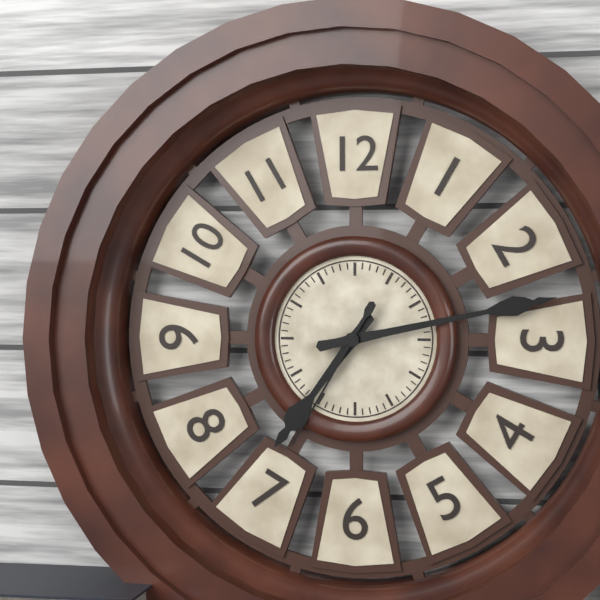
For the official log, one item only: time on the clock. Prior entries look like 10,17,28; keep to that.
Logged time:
7,13,35
